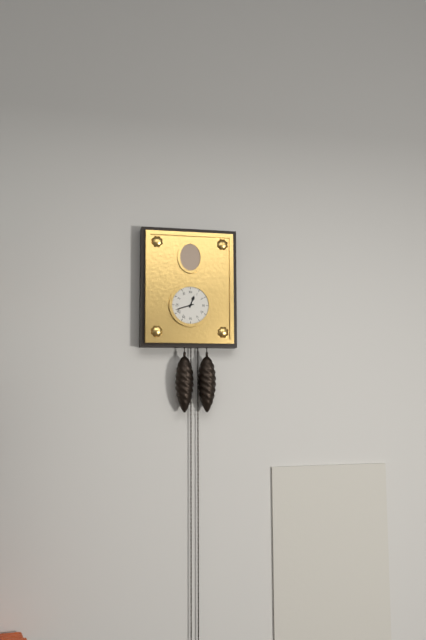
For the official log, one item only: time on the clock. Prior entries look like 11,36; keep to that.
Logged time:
12,42
